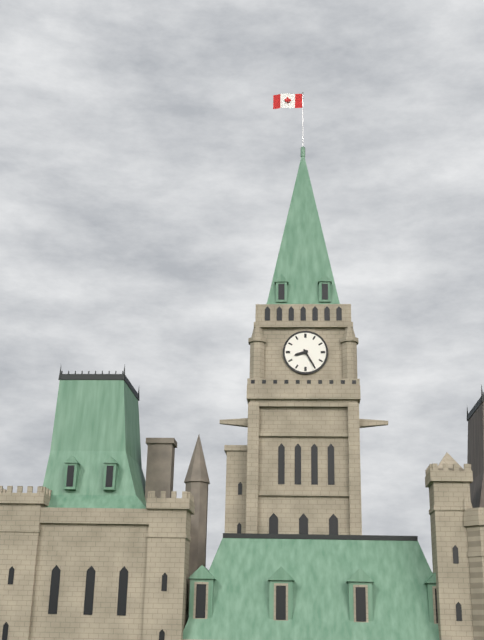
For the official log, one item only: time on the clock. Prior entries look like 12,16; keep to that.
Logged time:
8,25
